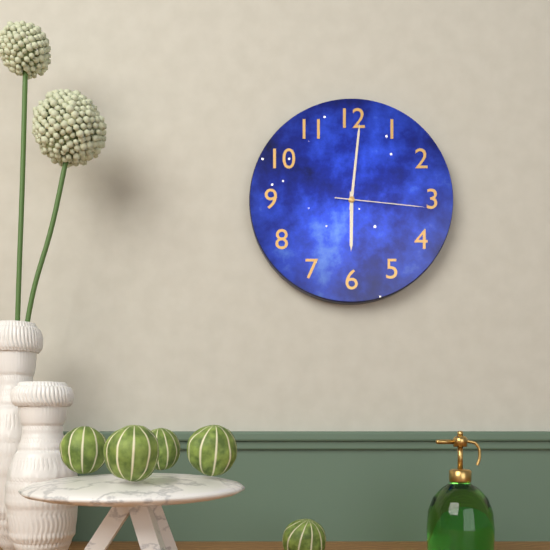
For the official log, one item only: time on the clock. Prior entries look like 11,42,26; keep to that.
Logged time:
6,01,16
